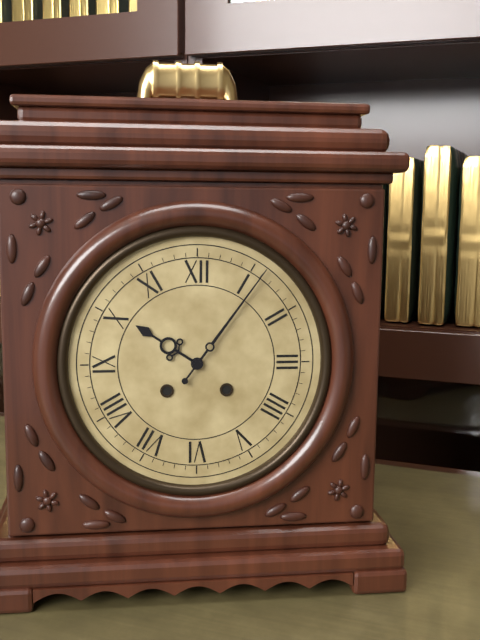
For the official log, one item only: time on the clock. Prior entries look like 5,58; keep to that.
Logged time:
10,06
